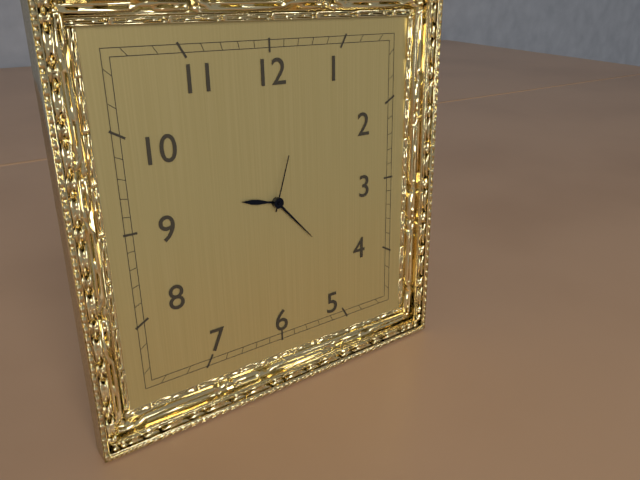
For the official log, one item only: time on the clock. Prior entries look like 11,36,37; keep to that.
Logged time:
9,23,03
